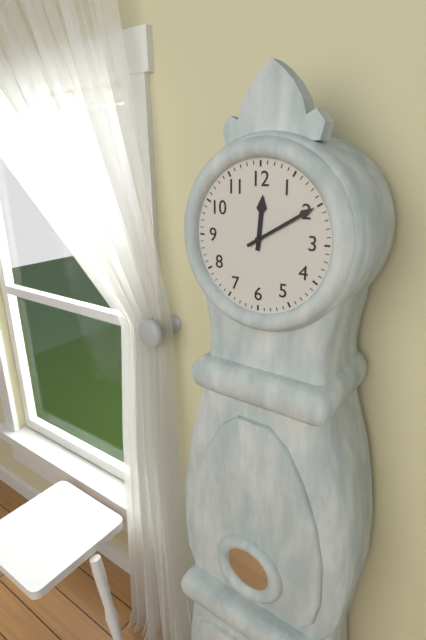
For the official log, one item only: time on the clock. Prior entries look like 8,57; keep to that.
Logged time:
12,10
